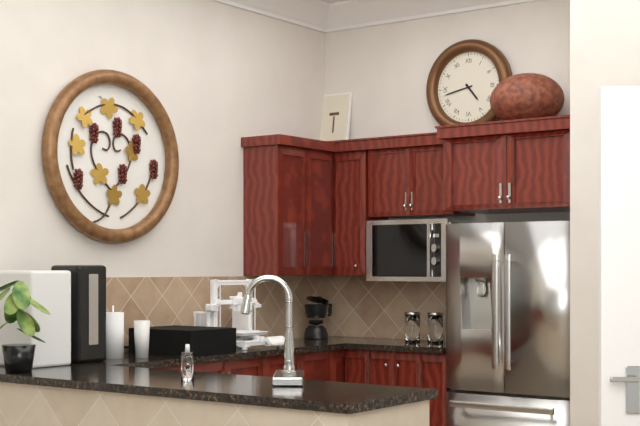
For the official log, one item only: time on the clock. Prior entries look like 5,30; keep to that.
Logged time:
4,43
